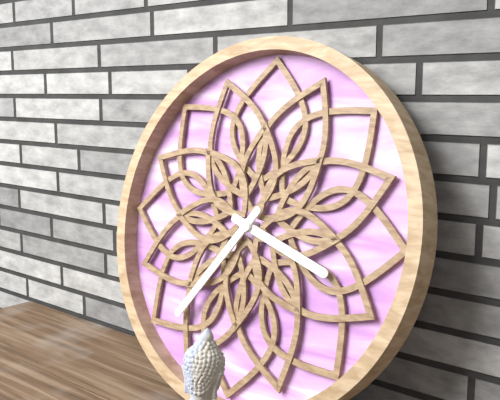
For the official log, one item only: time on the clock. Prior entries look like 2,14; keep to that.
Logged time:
3,36
